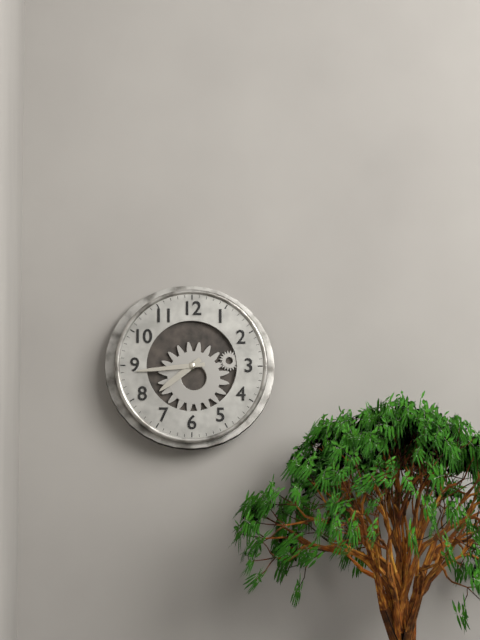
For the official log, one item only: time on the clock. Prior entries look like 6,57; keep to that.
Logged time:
7,44
